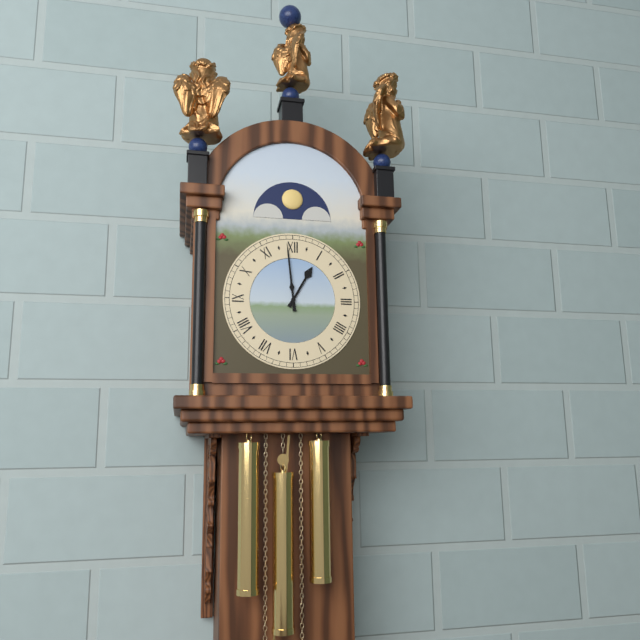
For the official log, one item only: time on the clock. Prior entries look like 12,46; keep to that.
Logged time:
12,59
